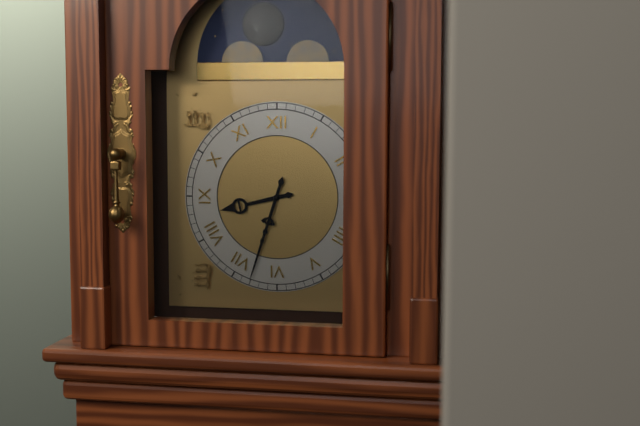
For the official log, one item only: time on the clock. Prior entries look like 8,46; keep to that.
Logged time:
8,33
